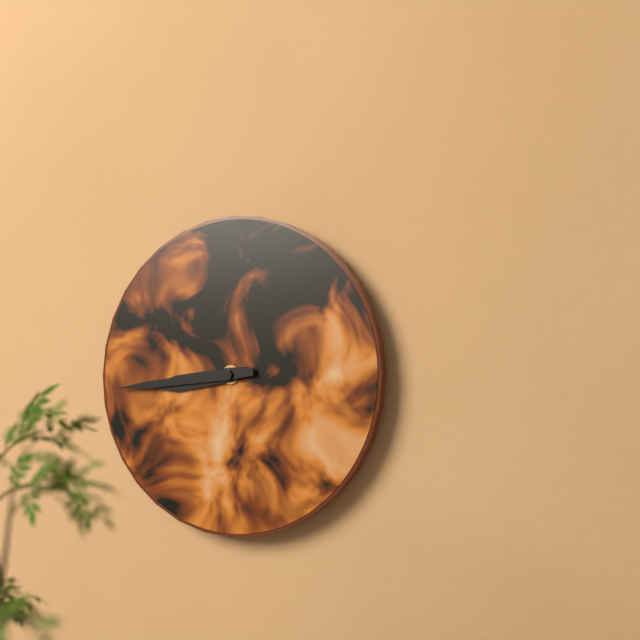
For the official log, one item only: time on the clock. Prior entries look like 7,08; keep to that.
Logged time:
8,44
